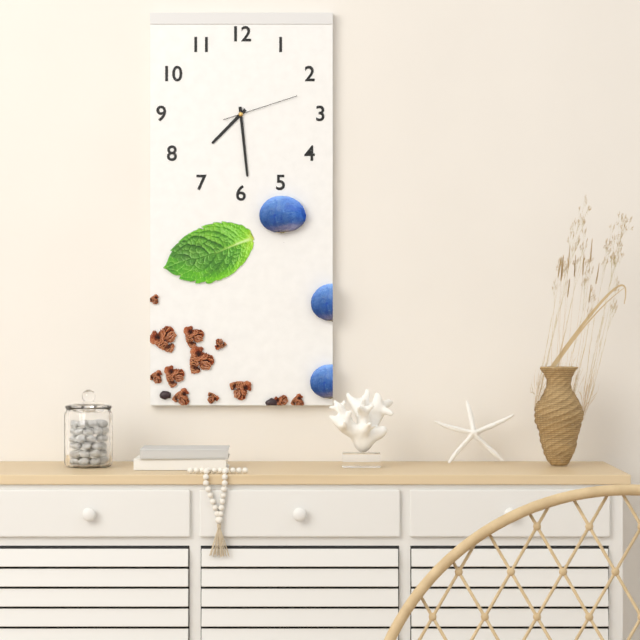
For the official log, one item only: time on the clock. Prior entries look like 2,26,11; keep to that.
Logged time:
7,29,12
